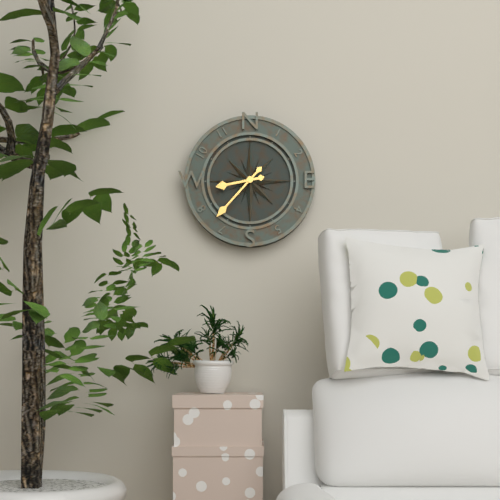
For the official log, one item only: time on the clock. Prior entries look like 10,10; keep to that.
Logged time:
8,37
